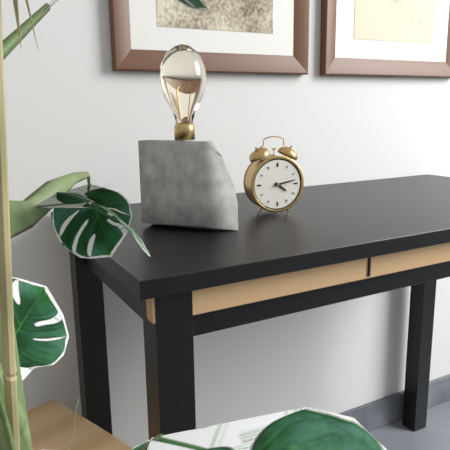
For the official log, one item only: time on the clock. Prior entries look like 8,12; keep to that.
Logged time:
4,13
